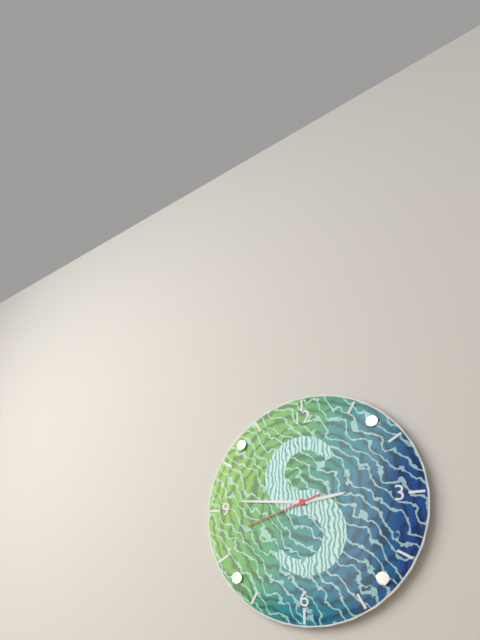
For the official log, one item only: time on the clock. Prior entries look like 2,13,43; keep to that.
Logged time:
2,46,42
